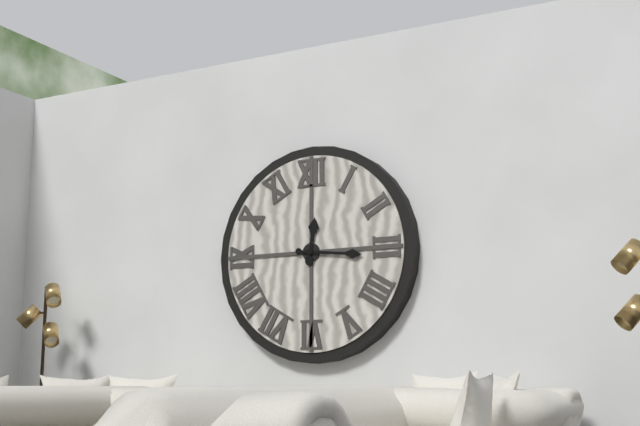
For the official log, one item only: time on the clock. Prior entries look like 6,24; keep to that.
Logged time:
12,16
